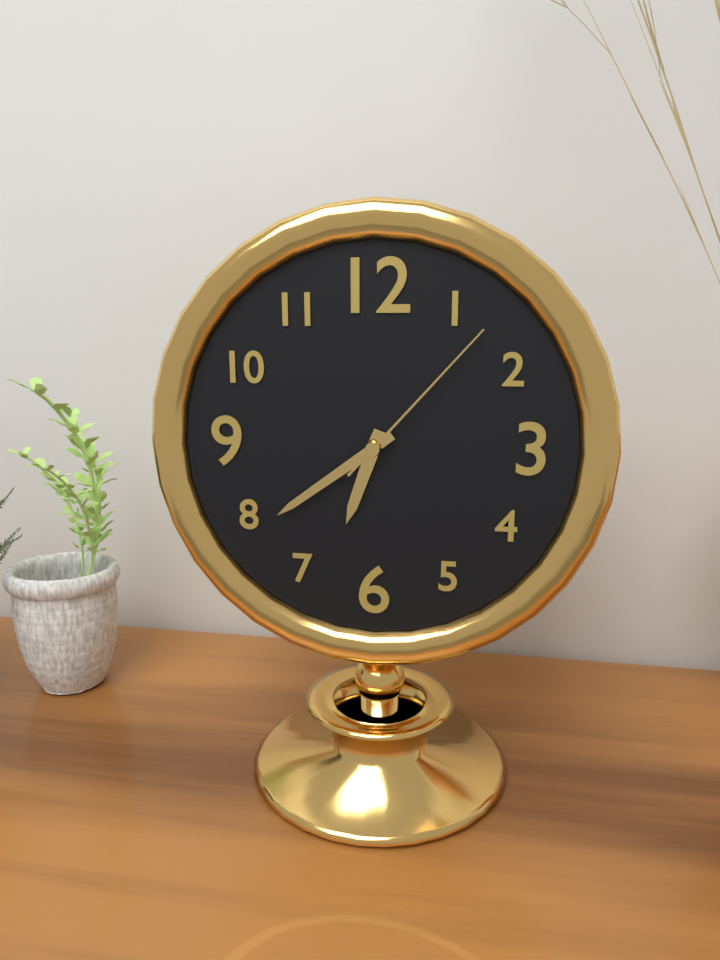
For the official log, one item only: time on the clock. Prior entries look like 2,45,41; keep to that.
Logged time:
6,39,07
